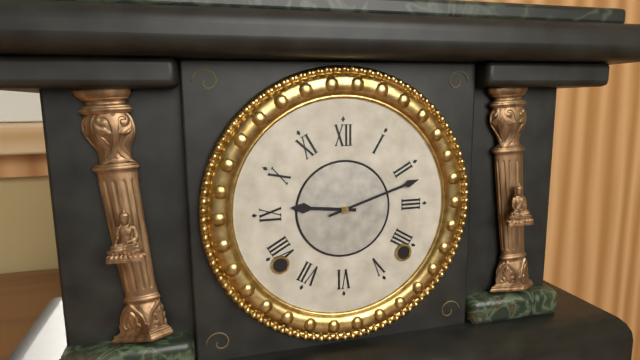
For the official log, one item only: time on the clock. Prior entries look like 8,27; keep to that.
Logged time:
9,12
